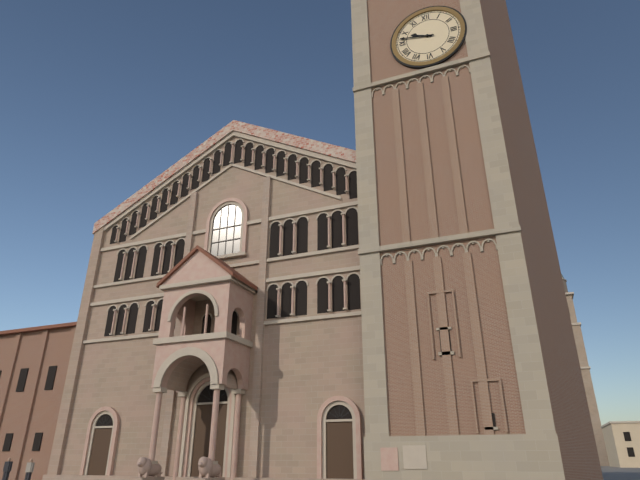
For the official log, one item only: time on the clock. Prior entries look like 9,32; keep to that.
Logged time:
9,47
